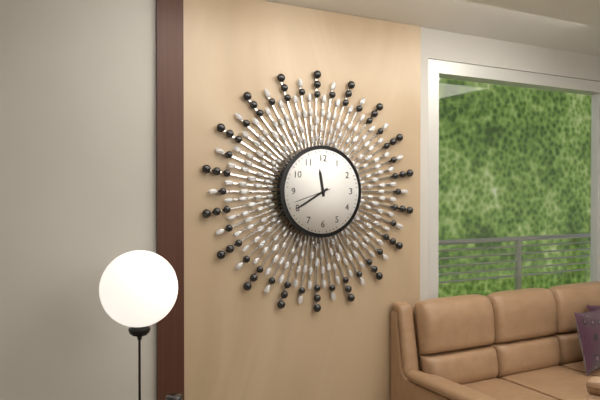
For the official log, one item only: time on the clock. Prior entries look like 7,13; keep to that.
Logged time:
11,40
